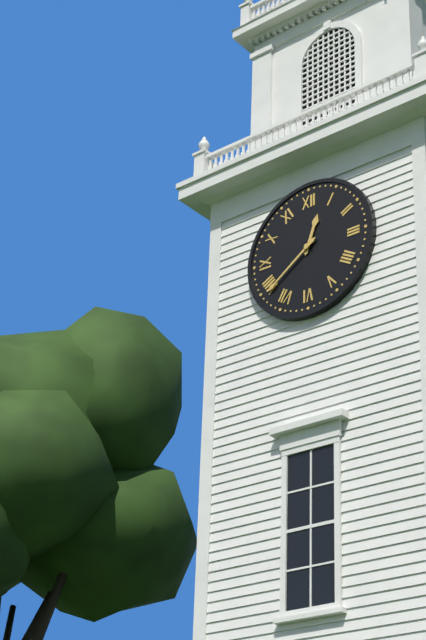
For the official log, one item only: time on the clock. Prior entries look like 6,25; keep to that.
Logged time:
12,39
